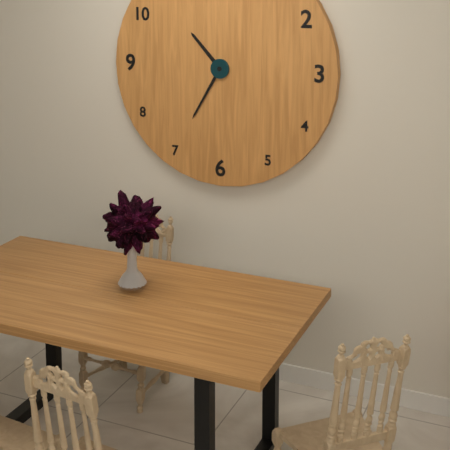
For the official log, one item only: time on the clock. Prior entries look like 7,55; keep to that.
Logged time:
10,35
